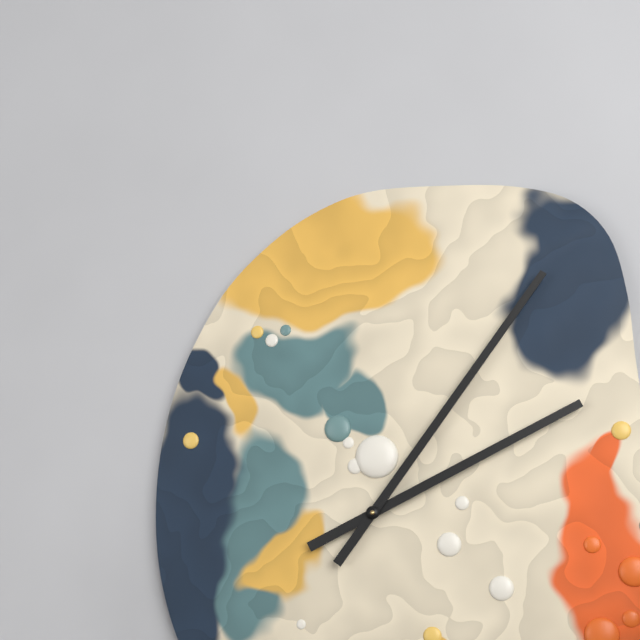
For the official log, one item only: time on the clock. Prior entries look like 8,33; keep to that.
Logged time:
2,06
